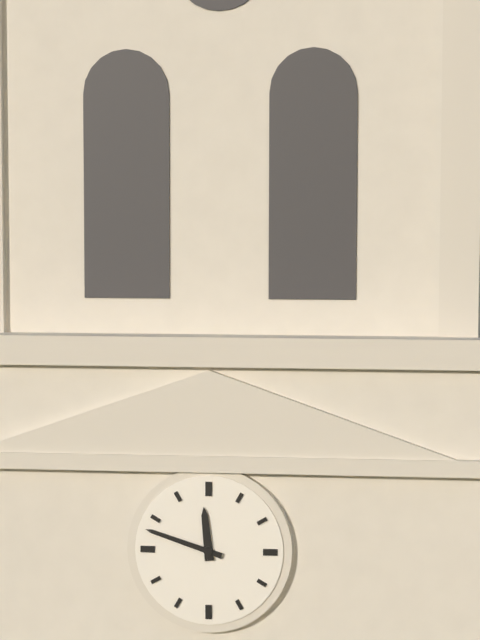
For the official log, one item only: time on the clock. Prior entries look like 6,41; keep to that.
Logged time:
11,48
